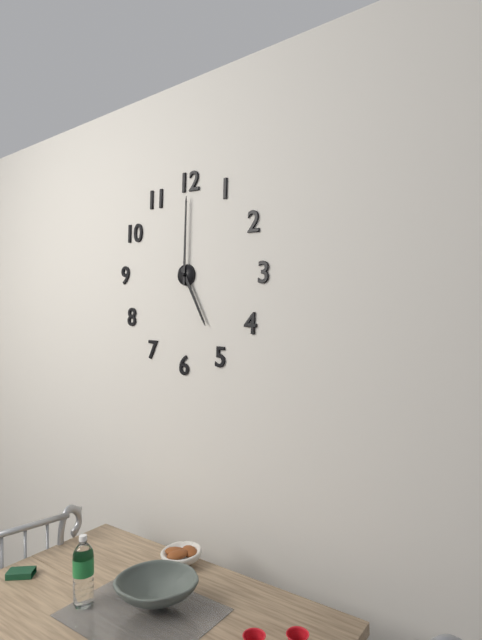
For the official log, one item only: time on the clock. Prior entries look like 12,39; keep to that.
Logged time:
5,00
